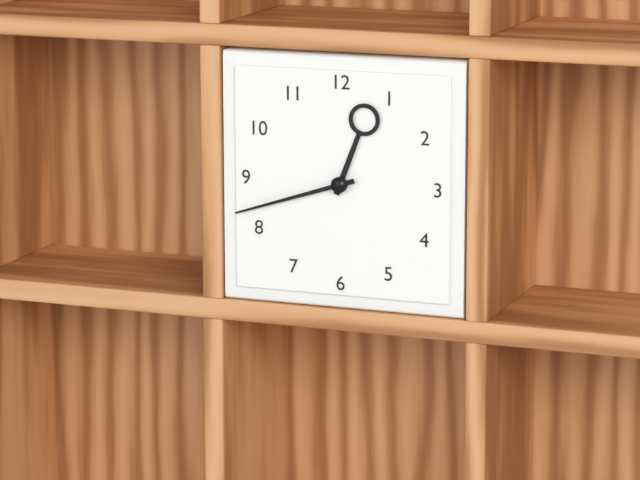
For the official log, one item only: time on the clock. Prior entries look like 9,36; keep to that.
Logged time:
12,42
